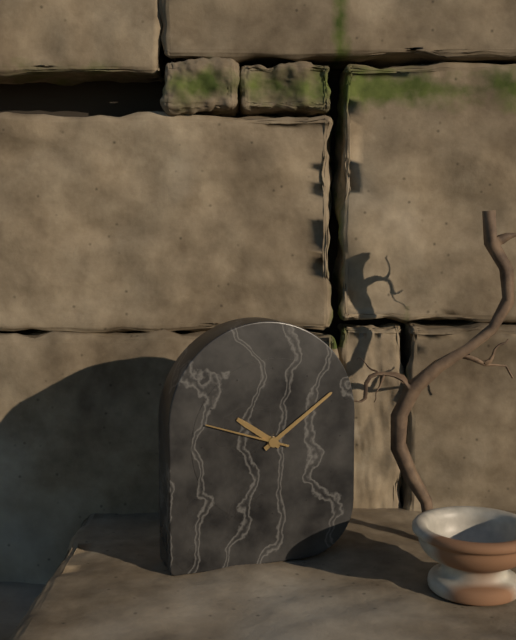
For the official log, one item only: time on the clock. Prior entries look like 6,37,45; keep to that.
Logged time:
10,09,48
